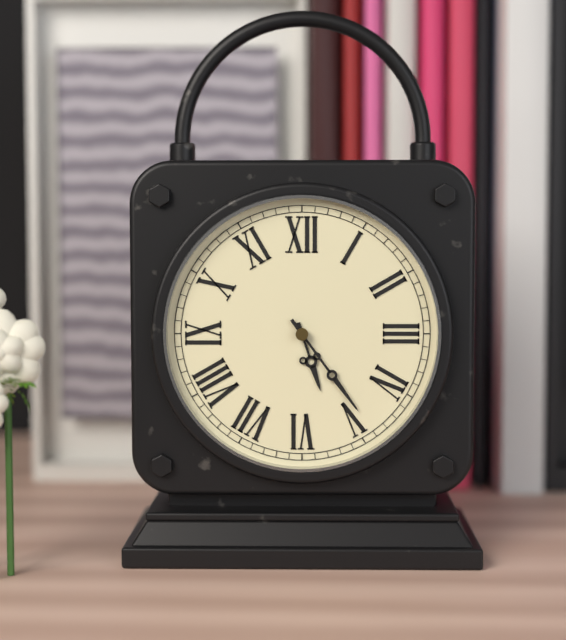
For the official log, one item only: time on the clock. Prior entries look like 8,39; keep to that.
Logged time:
5,24
